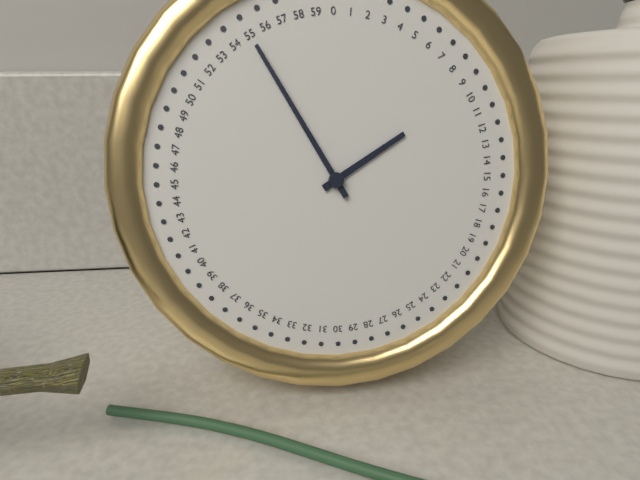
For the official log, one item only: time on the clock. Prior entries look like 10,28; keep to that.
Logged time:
1,55
